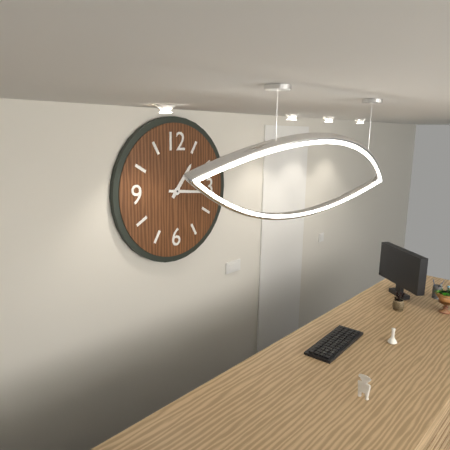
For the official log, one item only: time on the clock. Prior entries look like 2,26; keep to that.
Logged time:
1,16
